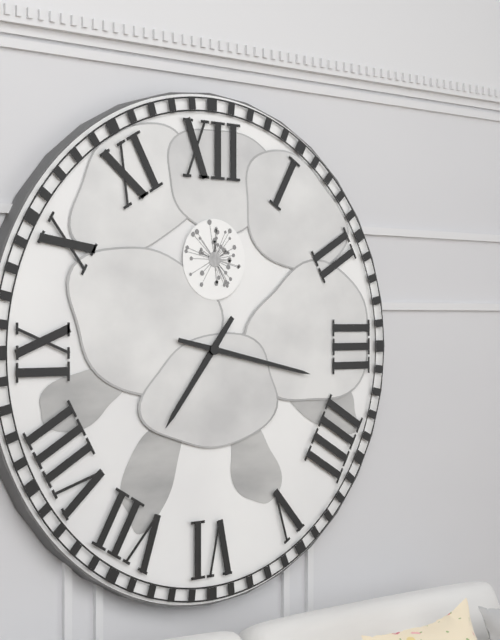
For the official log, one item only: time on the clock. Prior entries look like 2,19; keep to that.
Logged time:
7,17
